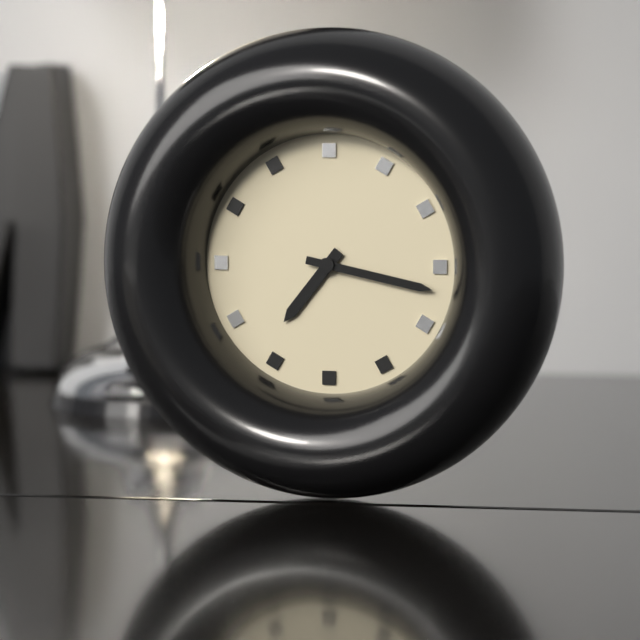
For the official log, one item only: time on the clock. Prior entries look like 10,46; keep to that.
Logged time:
7,17
